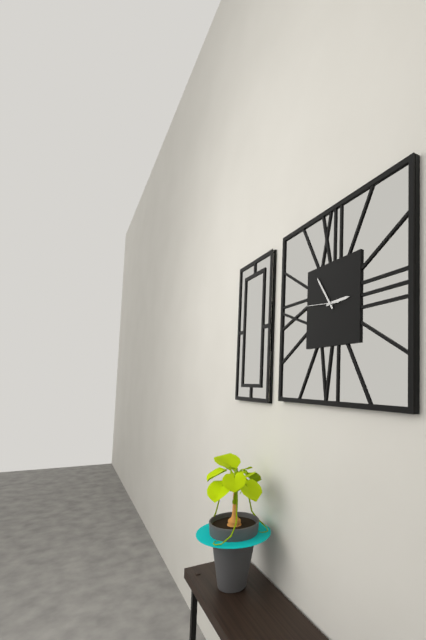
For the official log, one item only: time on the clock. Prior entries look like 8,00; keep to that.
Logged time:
2,54
